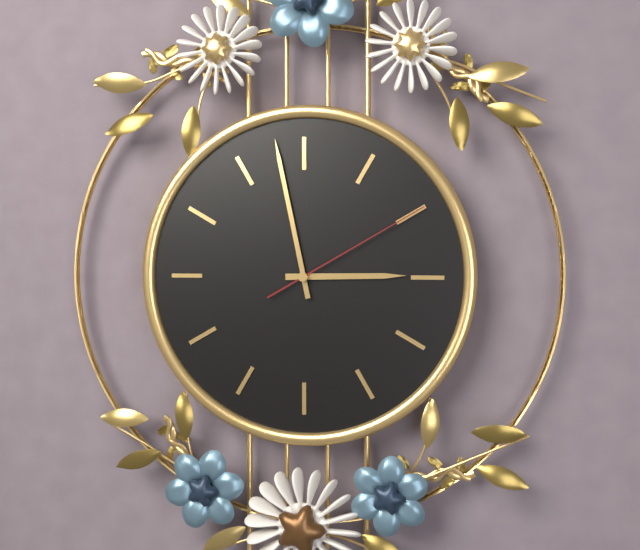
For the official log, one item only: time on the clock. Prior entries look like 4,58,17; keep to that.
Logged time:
2,58,10
